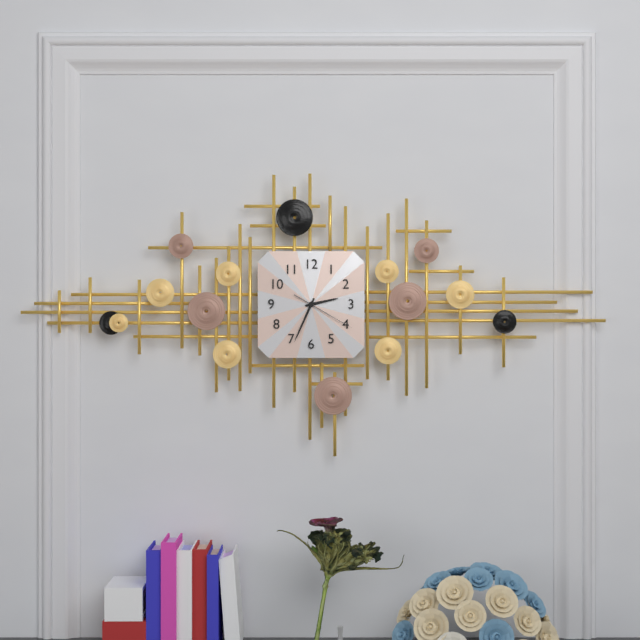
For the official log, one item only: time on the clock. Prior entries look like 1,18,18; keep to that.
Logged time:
2,34,20
